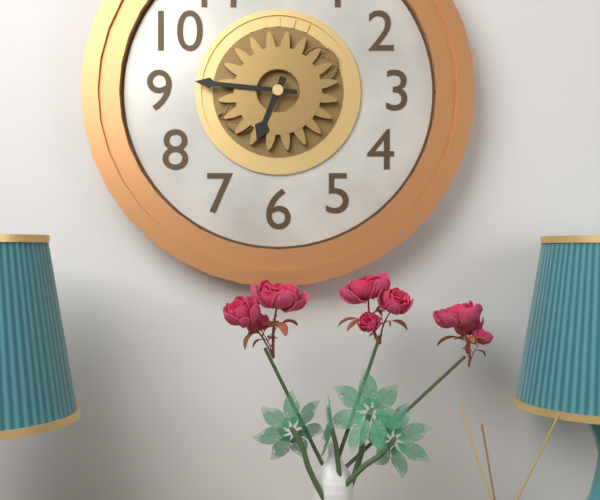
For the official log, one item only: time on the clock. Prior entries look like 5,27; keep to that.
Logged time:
6,46
